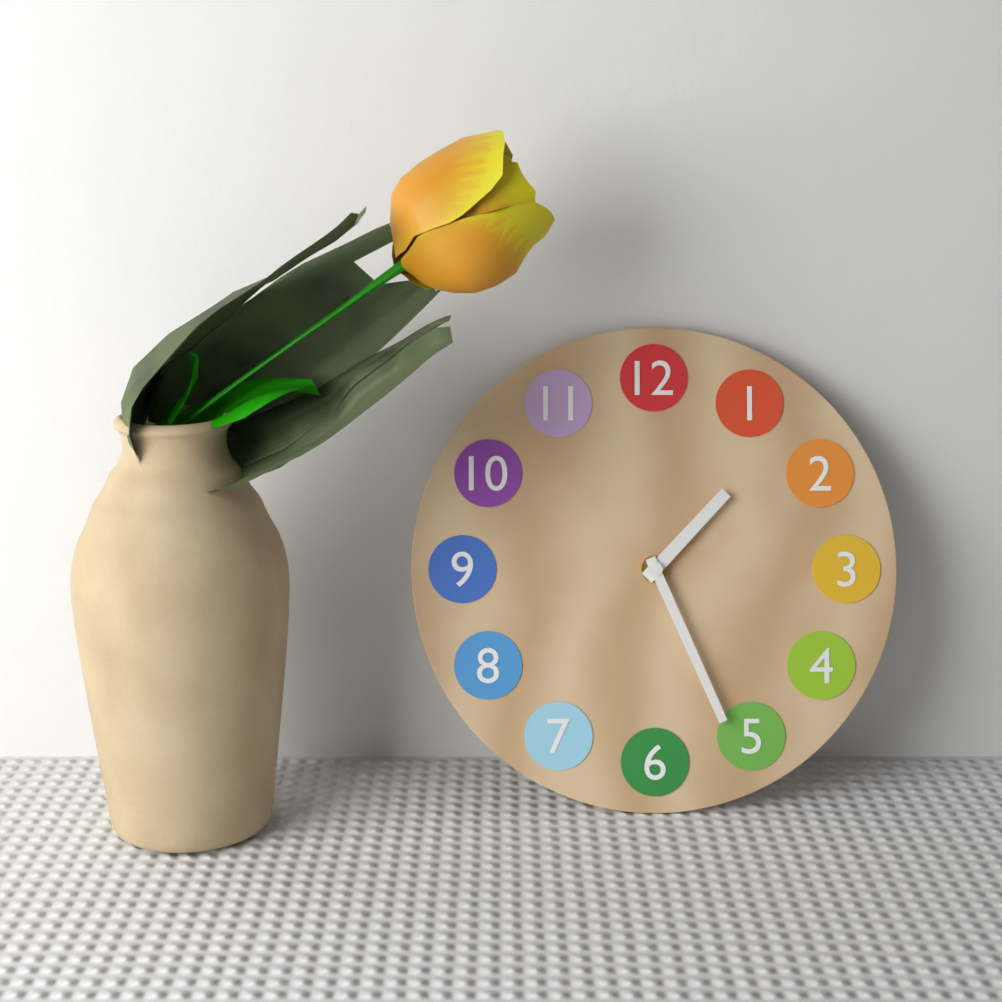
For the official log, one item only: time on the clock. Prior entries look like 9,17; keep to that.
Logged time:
1,26
